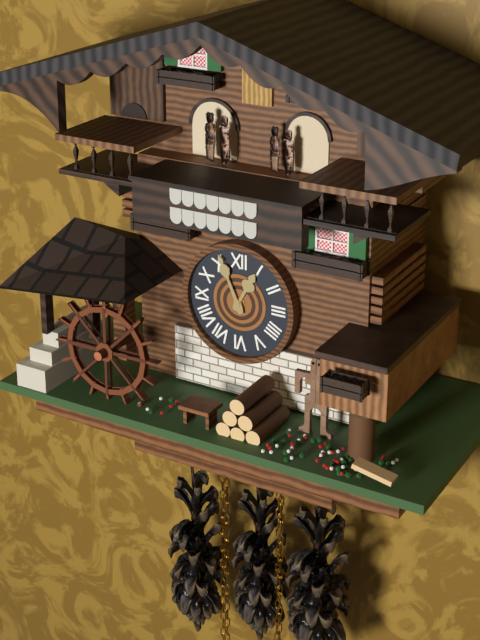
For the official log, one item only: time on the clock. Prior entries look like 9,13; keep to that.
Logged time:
12,56
